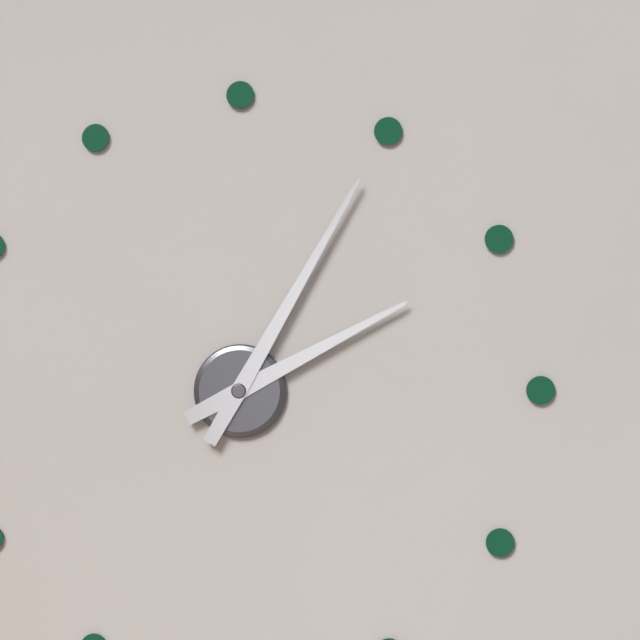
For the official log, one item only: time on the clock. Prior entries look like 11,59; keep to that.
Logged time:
2,05
